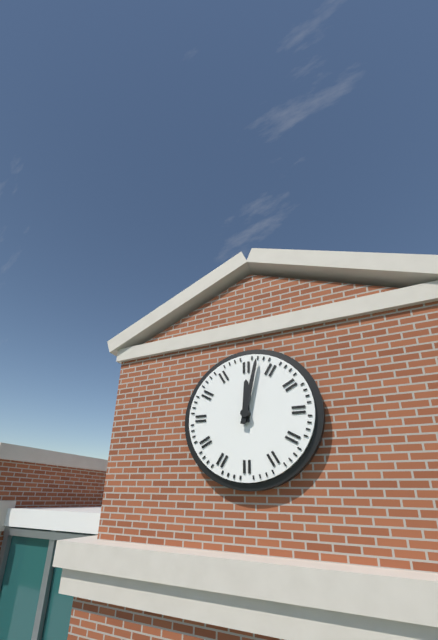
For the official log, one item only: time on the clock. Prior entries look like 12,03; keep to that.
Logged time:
12,02
